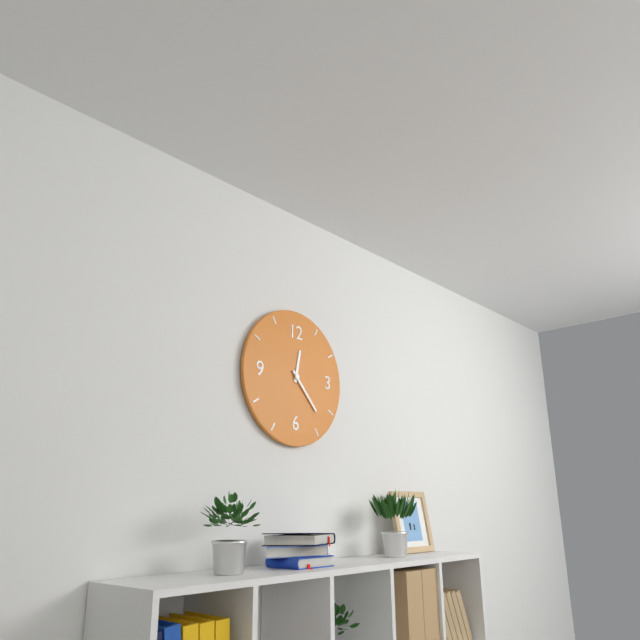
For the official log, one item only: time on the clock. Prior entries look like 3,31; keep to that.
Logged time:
12,23
